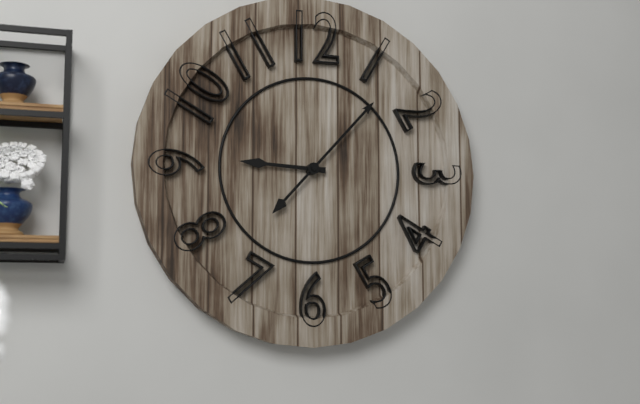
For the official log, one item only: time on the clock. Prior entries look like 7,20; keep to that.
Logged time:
9,07
